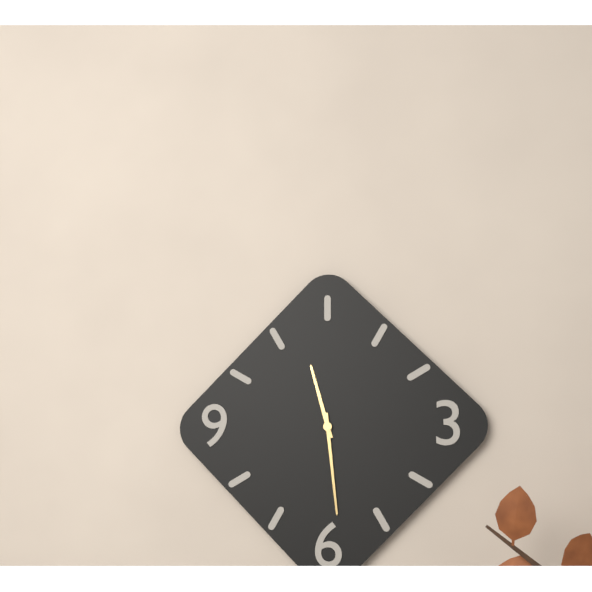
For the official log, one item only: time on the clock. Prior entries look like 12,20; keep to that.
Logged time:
11,29
